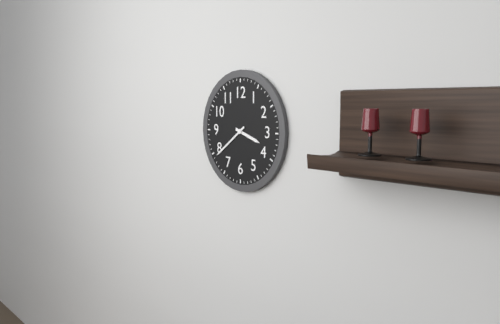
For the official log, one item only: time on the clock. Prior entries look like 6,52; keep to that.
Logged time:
3,39
